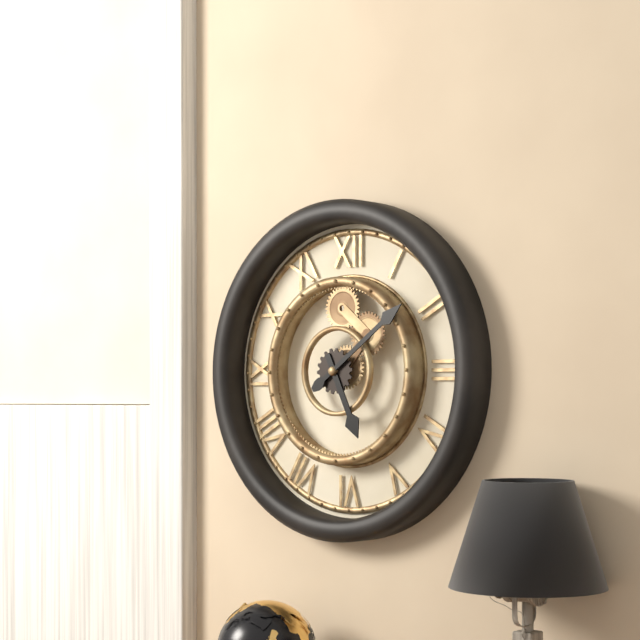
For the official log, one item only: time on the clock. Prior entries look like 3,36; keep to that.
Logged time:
5,09
